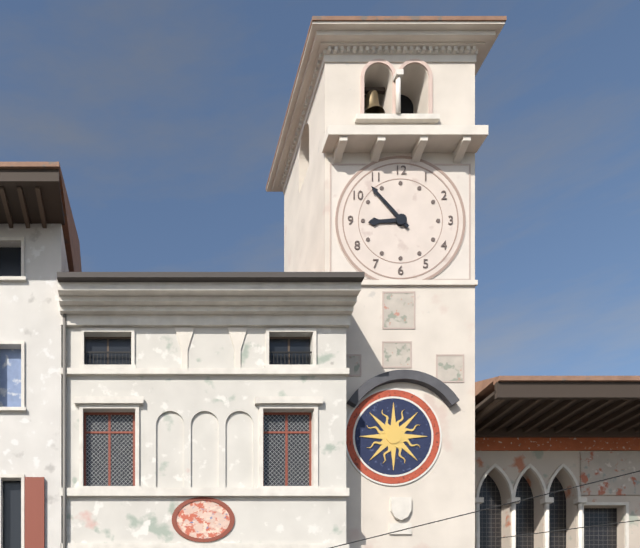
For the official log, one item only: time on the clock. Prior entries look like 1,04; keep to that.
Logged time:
8,53
